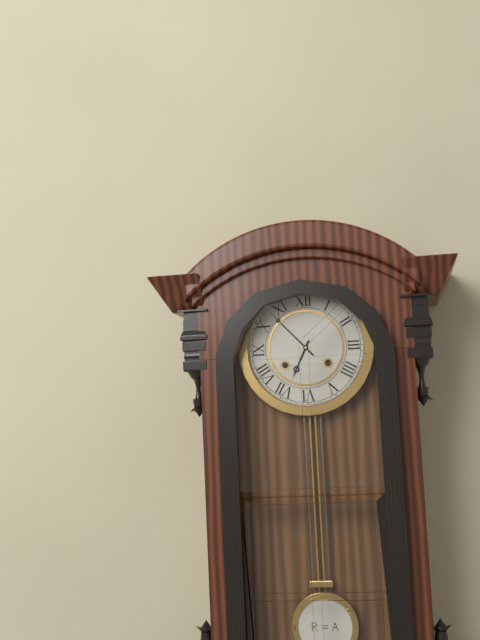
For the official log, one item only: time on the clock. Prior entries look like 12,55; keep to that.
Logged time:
6,53
